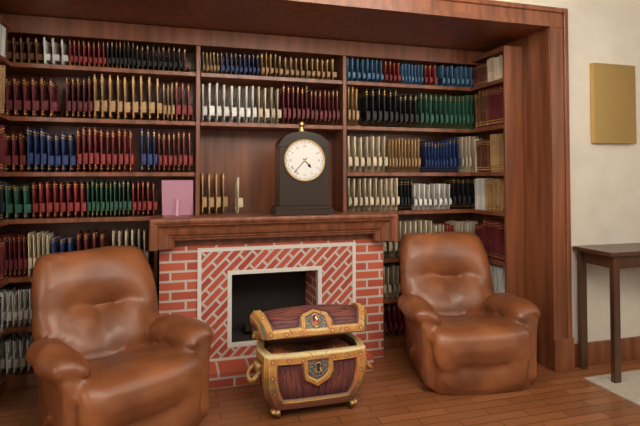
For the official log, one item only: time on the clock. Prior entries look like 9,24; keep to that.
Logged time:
4,37
